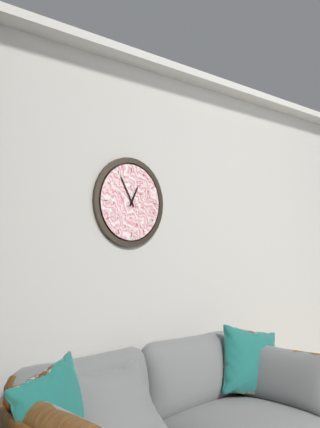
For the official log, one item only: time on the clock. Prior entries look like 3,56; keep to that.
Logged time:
12,55
